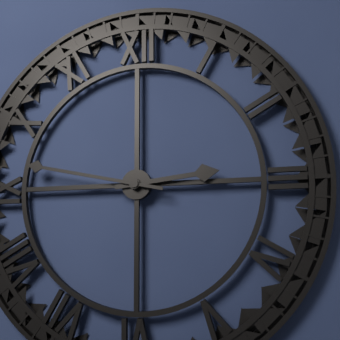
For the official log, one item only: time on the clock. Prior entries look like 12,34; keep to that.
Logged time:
2,47
